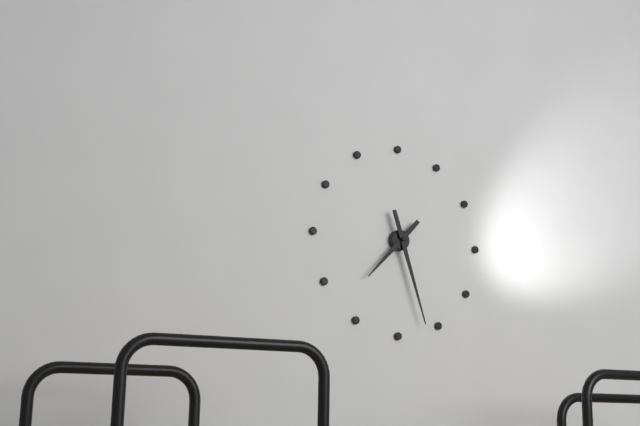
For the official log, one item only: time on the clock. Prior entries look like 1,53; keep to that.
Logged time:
7,27
